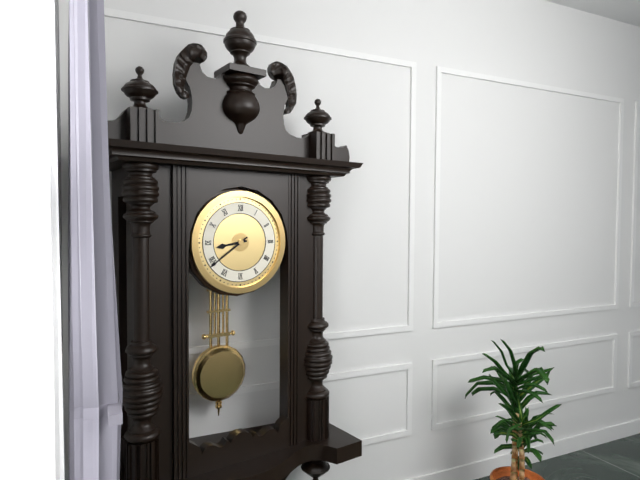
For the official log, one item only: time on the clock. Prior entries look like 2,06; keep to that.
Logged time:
8,39
